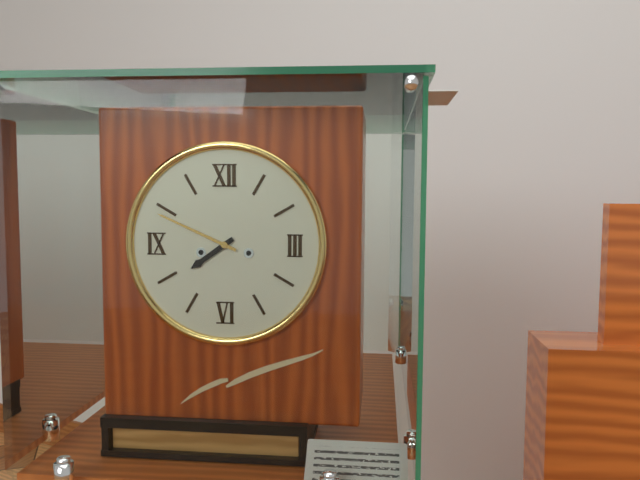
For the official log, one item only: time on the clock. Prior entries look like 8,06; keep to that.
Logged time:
7,49
